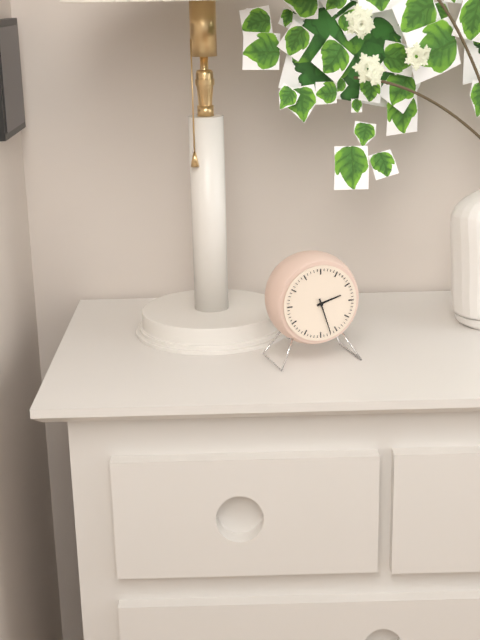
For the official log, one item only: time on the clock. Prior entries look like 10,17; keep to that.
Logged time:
2,27
